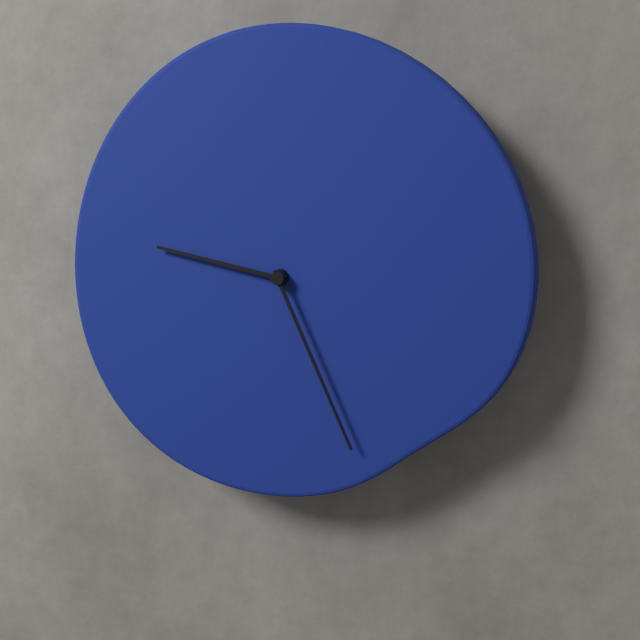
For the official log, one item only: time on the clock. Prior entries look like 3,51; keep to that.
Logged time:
9,26
